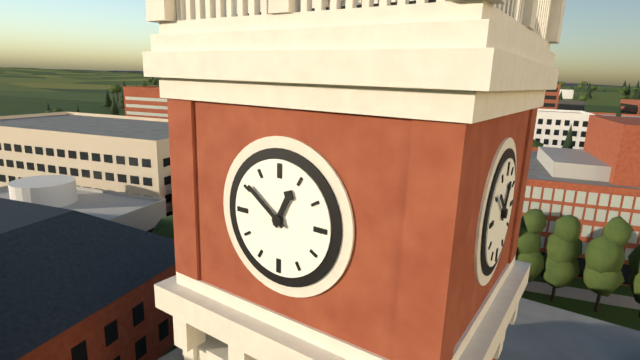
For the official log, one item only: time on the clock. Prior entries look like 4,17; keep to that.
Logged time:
12,51
